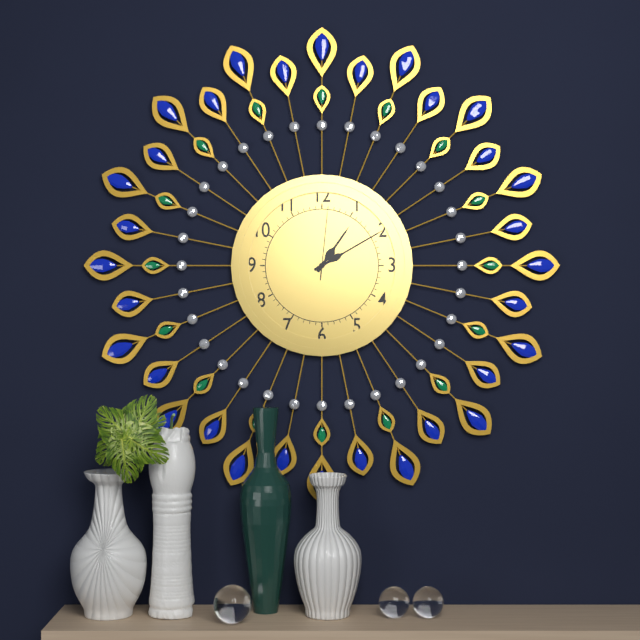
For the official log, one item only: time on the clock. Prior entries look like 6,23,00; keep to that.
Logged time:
1,10,01
